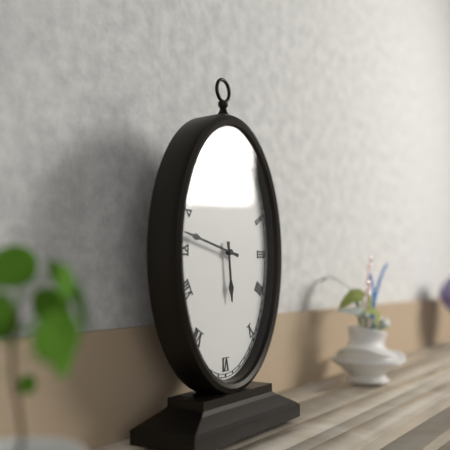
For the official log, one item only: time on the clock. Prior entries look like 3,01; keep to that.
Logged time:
5,47
